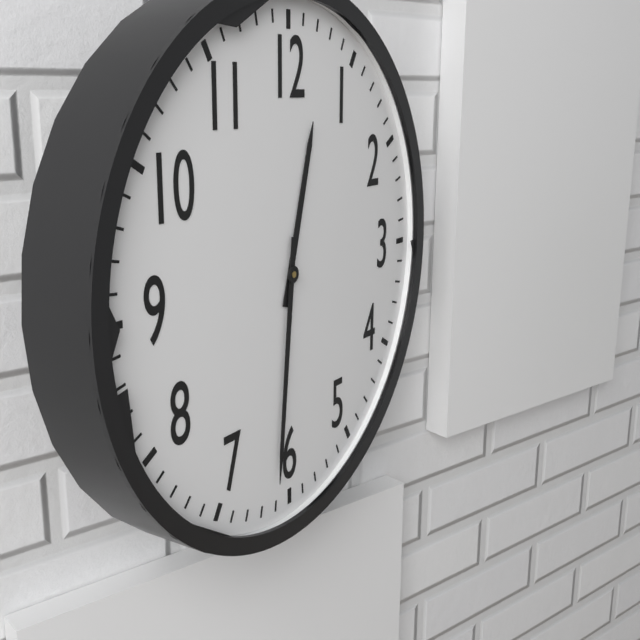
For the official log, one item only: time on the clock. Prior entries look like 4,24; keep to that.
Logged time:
12,31
